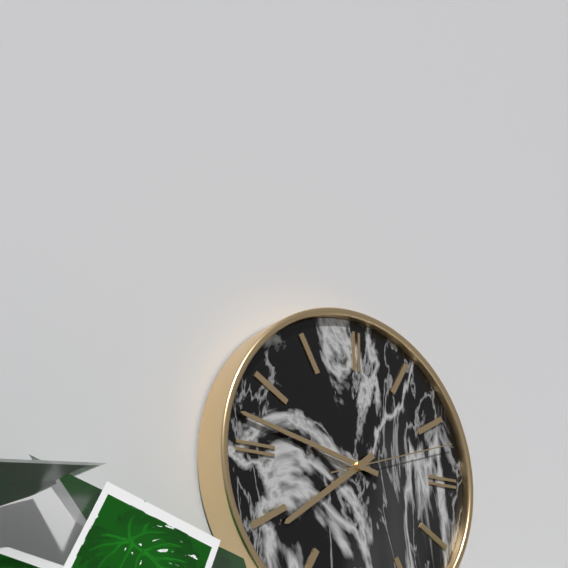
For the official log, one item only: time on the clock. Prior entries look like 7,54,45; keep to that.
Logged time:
7,47,12
